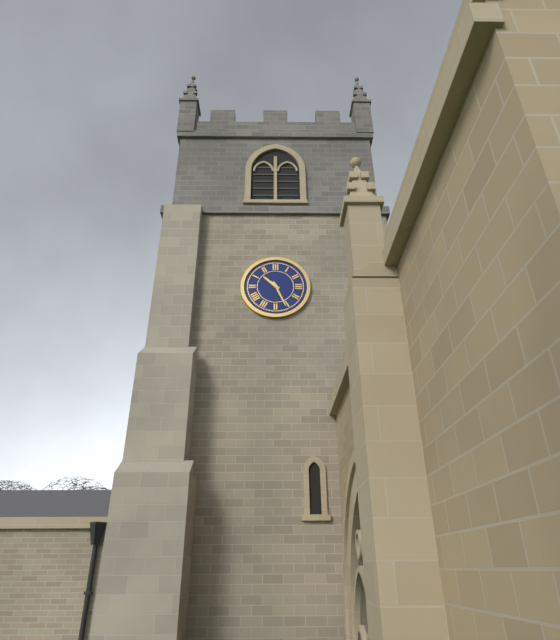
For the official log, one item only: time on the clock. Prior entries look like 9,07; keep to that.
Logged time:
10,26
